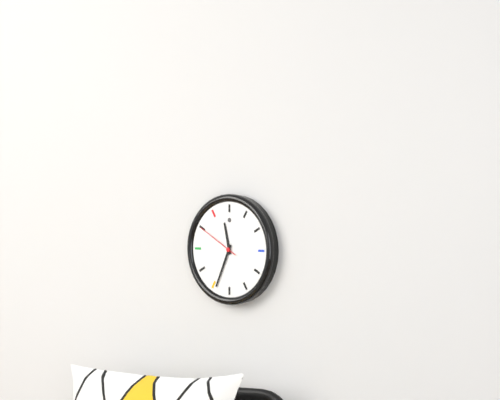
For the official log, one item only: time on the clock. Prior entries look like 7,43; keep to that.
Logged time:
11,34
